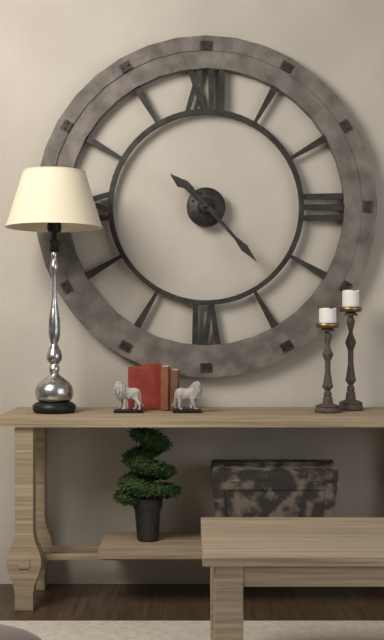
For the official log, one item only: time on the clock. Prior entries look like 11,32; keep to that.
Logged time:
10,23
